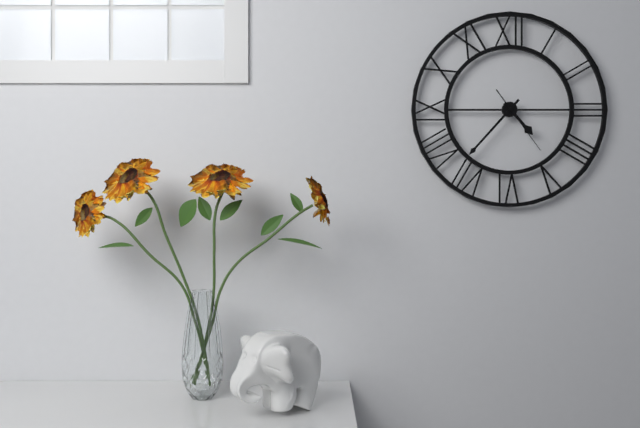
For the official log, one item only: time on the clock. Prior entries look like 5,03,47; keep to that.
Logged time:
4,37,24
